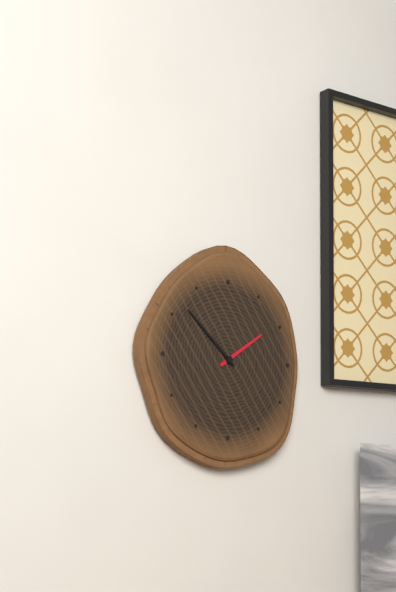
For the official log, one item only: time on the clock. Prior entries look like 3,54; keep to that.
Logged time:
1,52
